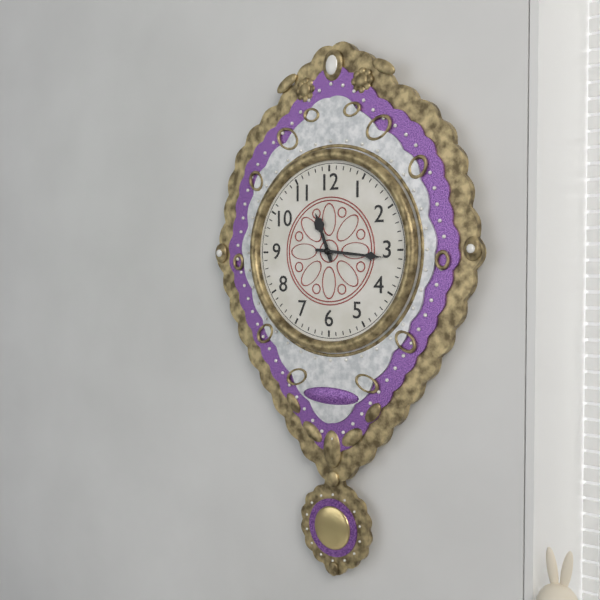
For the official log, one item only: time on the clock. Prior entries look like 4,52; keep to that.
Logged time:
11,16
